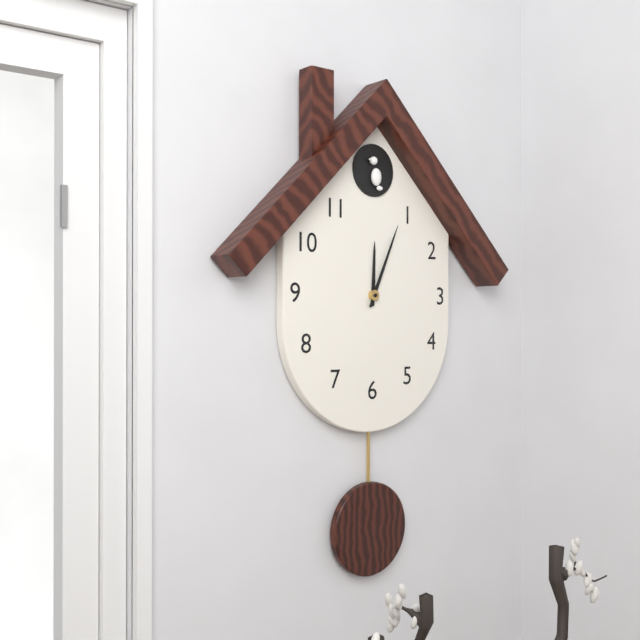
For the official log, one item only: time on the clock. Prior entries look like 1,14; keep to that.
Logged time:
12,04
